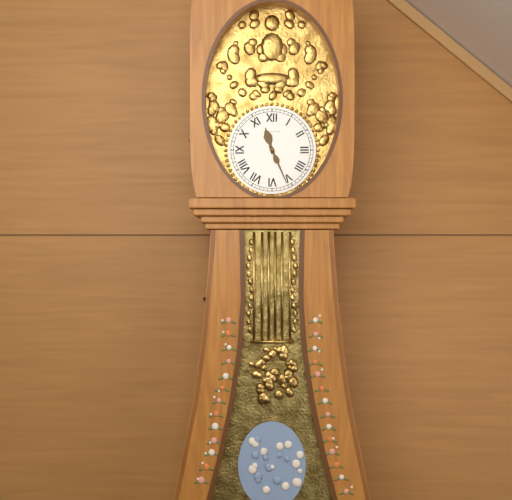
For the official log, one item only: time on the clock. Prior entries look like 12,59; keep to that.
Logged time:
11,26
